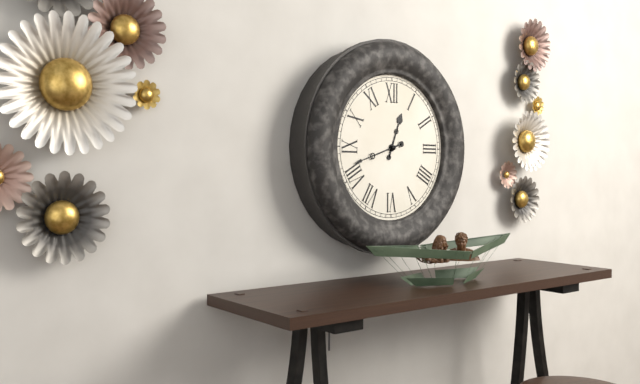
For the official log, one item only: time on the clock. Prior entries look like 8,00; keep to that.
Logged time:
12,42
